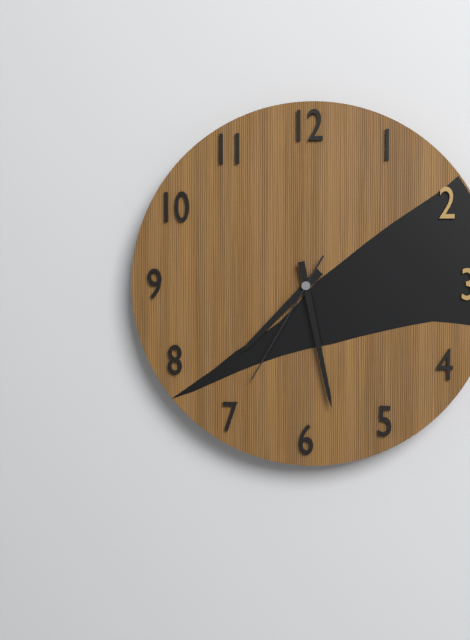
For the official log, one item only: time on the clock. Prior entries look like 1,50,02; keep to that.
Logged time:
7,28,35
